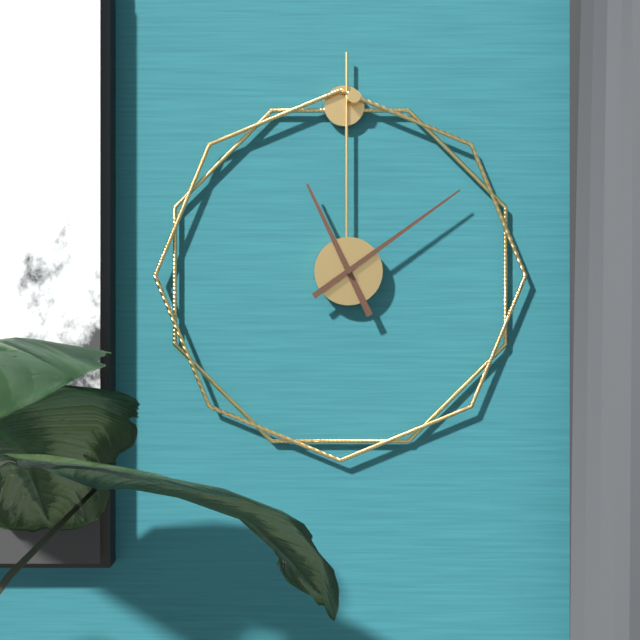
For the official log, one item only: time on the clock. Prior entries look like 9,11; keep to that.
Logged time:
11,09
